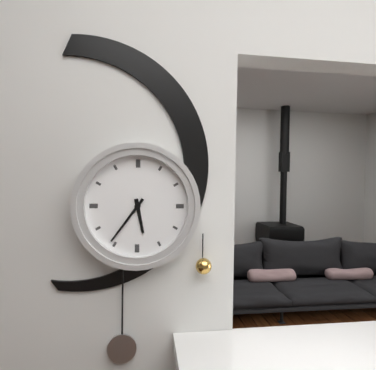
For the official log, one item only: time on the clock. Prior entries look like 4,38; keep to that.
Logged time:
5,36
